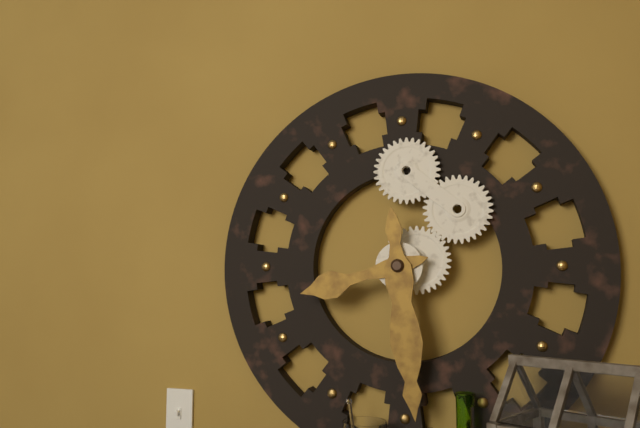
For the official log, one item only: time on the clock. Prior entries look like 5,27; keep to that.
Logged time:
8,29
